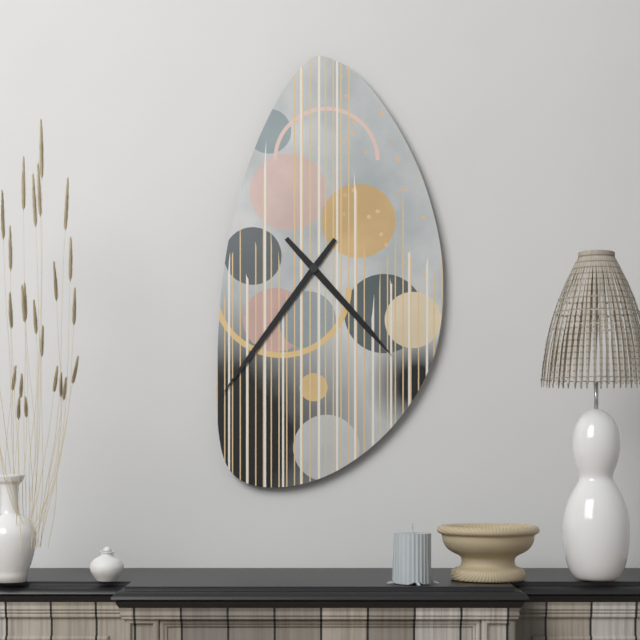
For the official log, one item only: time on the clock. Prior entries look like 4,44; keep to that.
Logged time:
4,36
